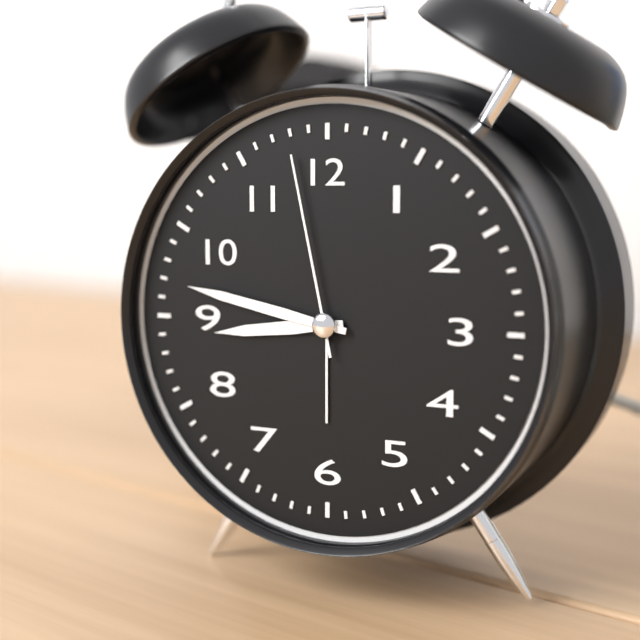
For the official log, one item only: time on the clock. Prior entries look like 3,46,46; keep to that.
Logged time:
8,47,58
